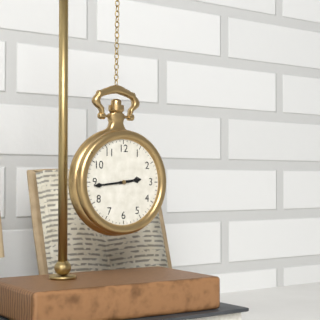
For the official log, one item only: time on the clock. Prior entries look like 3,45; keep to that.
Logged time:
2,44
